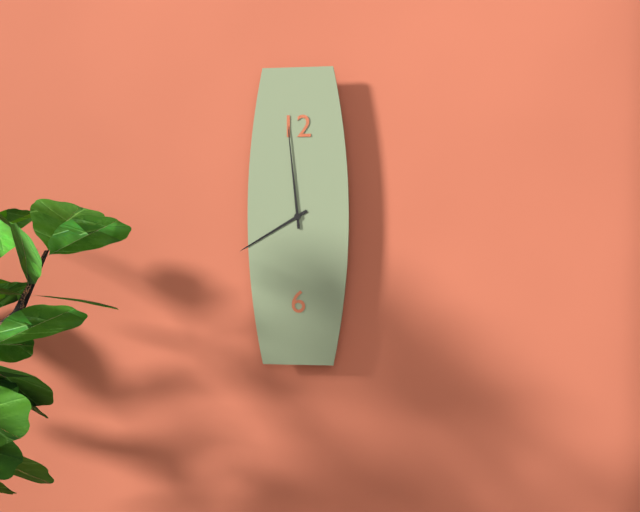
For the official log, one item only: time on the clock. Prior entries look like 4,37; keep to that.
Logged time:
7,59
